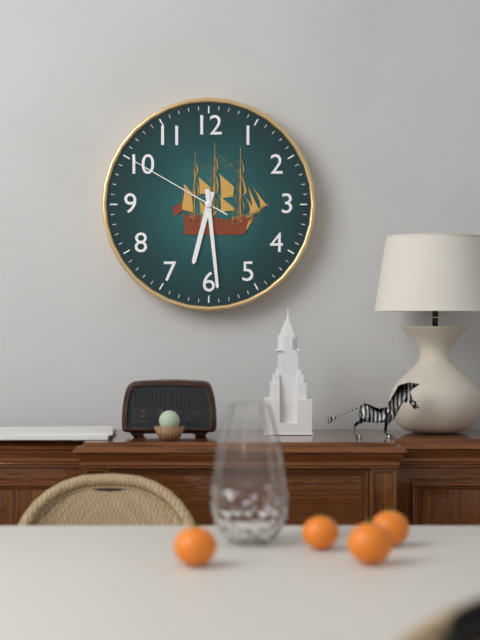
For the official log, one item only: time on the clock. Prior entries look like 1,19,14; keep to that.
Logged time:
6,29,50
